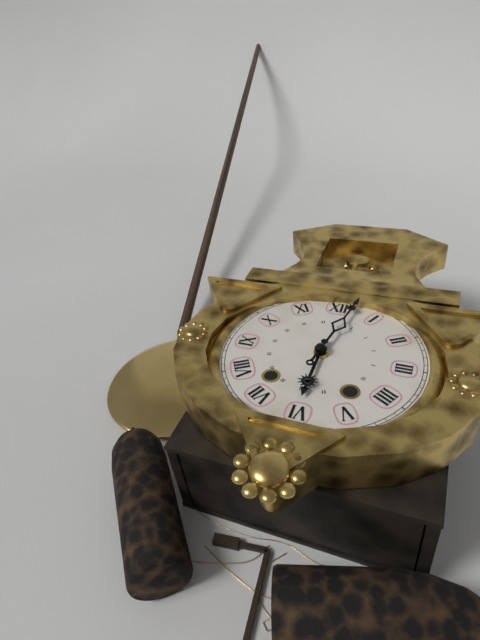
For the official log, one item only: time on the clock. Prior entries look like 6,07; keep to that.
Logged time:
6,02
